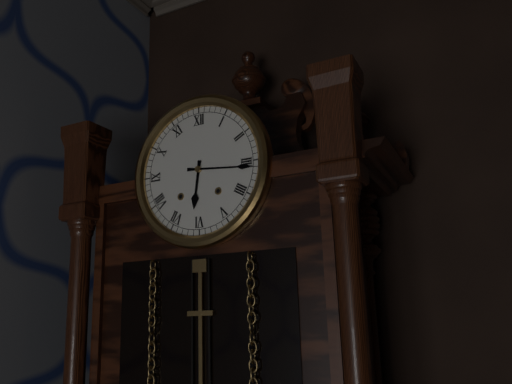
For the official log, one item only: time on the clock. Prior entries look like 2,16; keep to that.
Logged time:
6,16
